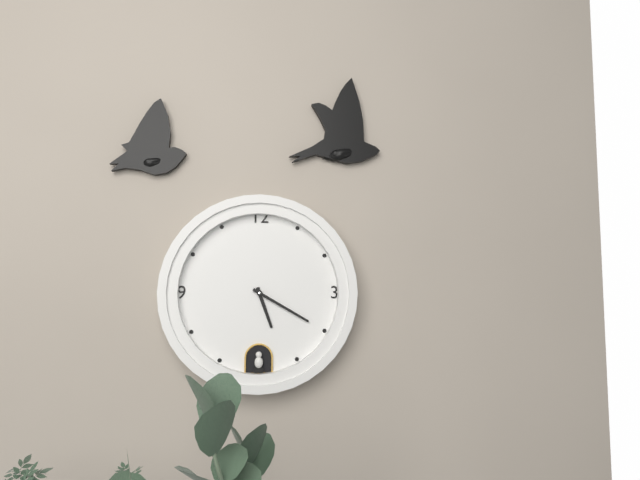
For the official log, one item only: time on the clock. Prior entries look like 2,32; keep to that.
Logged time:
5,20
